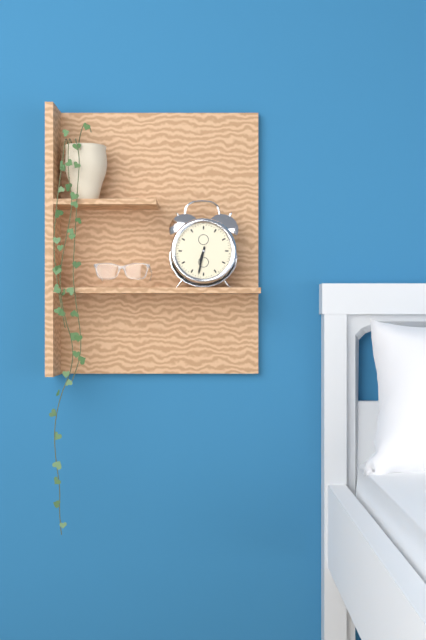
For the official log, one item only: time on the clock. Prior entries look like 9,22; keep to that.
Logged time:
6,32
